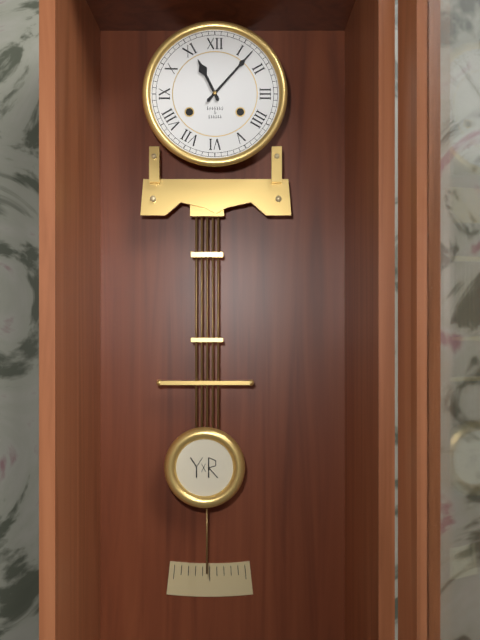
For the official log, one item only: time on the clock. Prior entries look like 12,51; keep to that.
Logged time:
11,07
